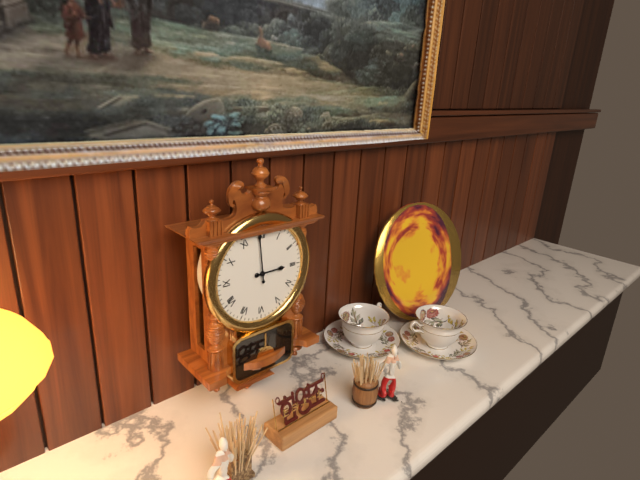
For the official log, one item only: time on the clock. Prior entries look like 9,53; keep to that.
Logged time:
2,59
